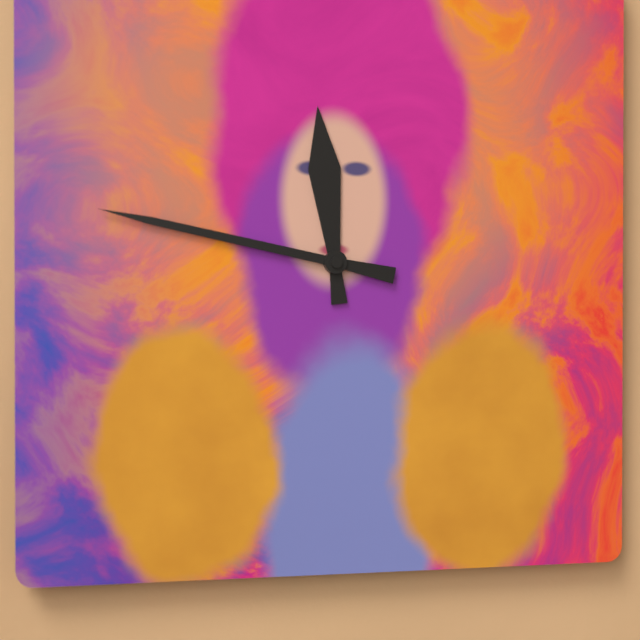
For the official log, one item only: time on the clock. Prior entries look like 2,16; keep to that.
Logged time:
11,47
